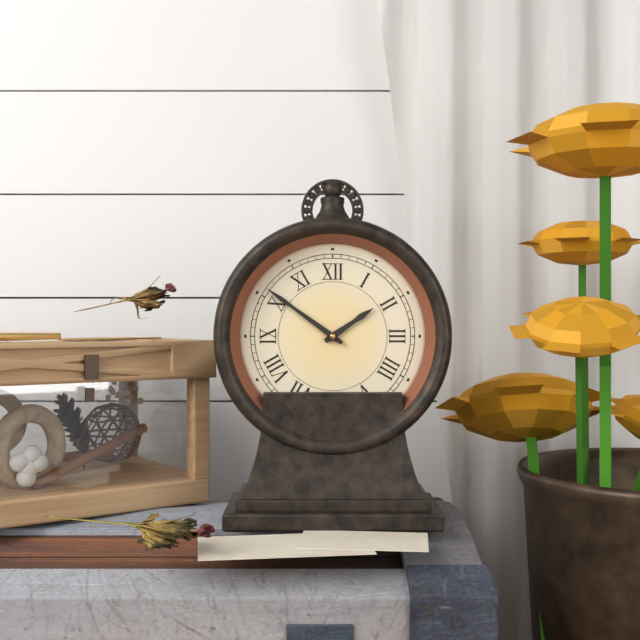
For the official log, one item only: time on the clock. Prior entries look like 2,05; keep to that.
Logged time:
1,51
